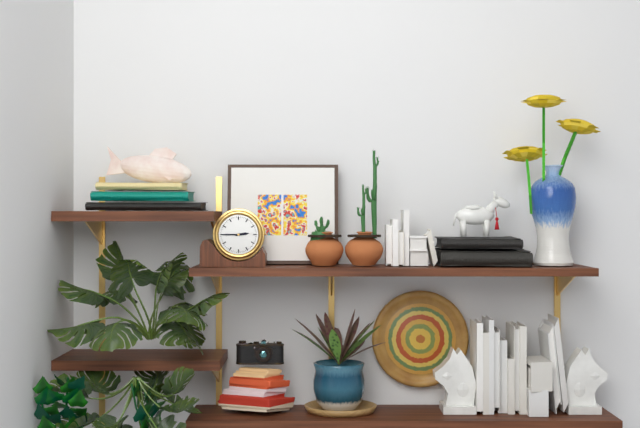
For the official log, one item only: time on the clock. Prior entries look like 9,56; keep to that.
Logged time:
2,45
